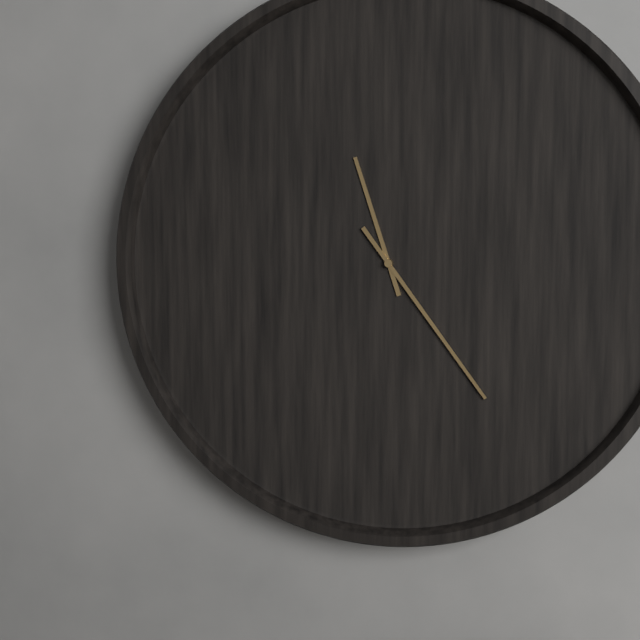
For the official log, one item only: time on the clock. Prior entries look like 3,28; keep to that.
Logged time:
11,24
